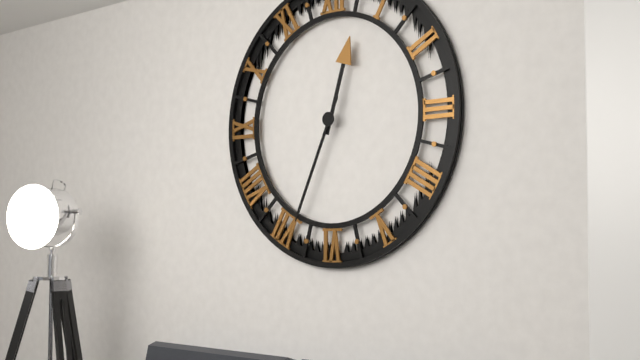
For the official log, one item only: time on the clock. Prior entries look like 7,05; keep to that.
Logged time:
12,34
